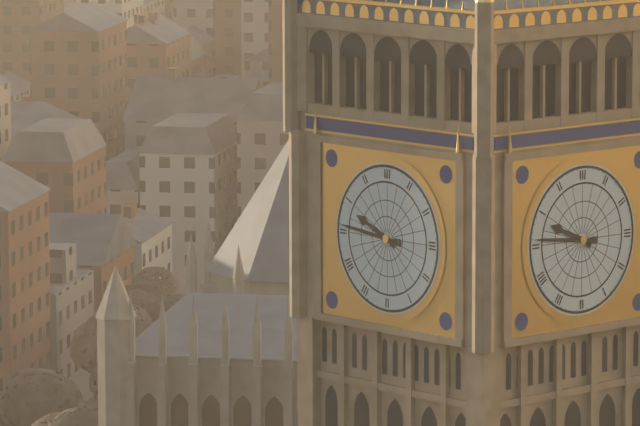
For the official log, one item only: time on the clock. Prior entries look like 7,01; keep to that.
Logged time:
9,46
